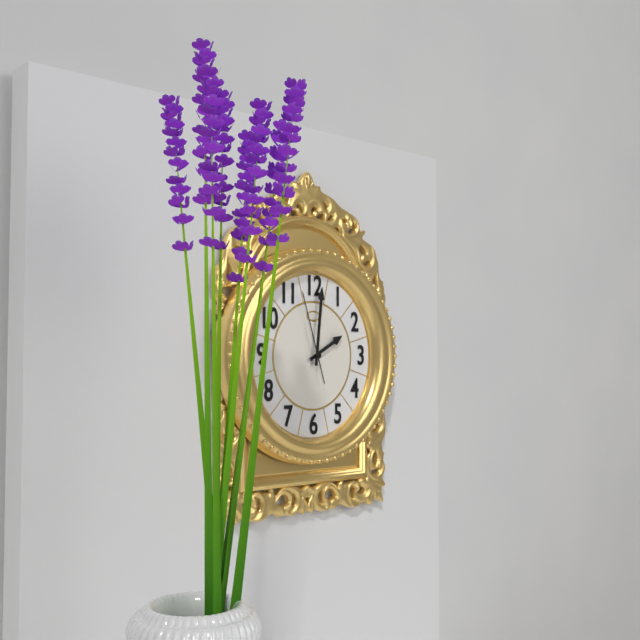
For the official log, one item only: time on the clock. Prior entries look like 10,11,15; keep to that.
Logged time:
2,01,57
